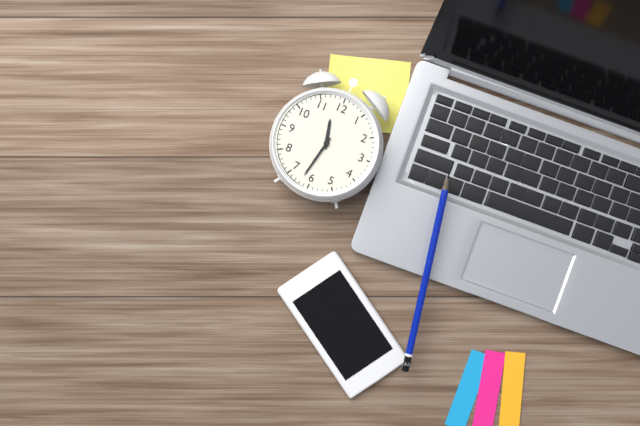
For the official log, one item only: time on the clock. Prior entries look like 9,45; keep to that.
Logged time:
11,32
